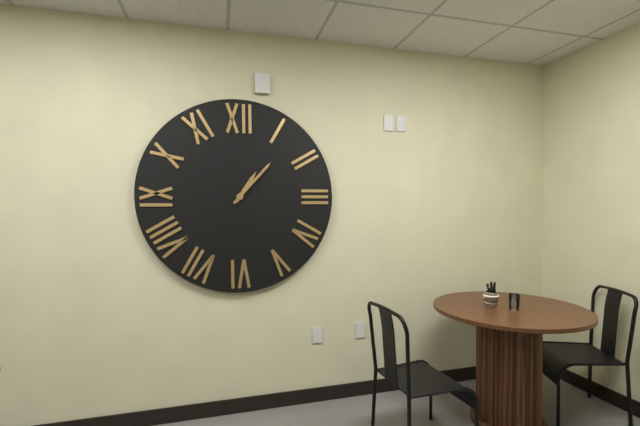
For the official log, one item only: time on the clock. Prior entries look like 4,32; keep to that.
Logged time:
1,07
